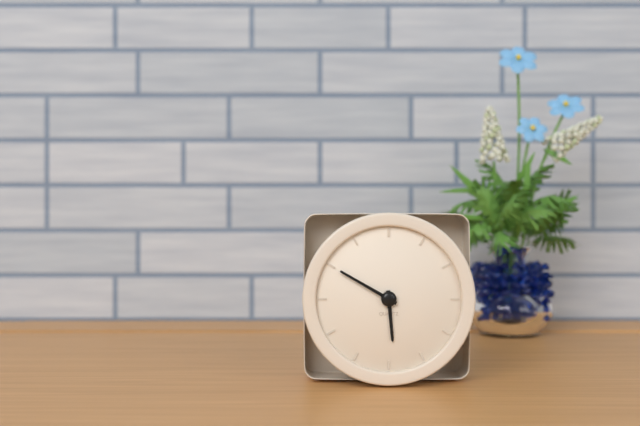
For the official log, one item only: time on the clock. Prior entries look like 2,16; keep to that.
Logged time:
5,50
